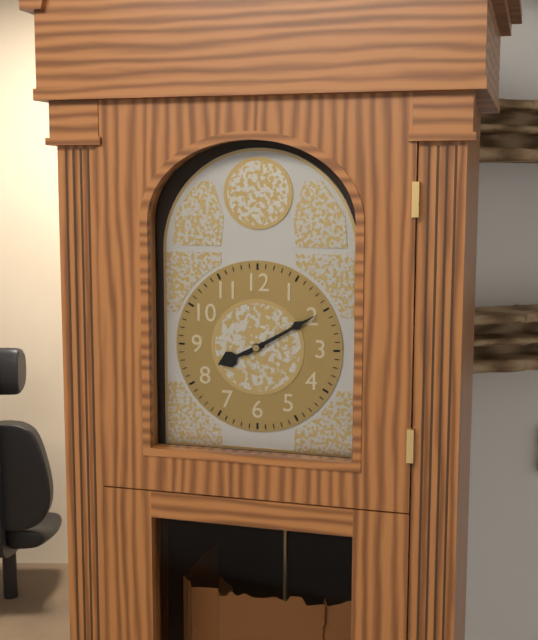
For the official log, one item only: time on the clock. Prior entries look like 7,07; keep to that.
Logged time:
8,10
